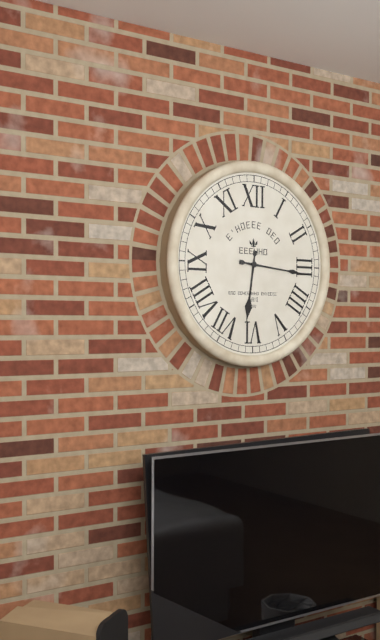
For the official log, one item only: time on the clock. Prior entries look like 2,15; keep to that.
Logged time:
6,16
